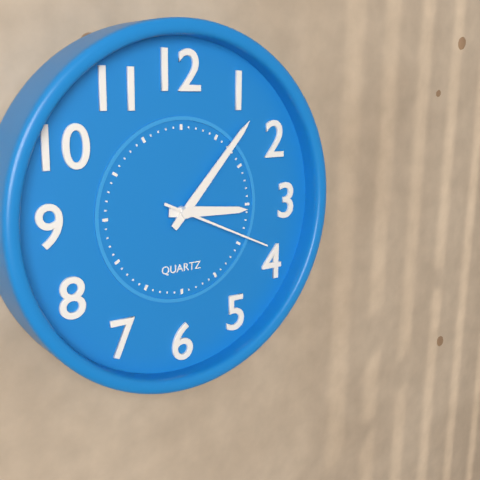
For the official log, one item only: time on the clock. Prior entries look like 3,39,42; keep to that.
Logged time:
3,07,19
